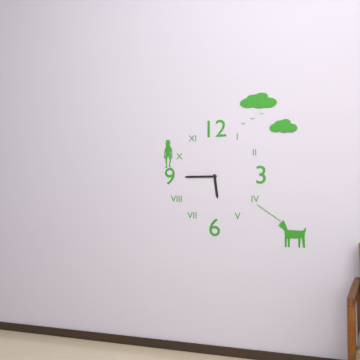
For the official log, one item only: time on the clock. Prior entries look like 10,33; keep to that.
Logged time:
5,45
